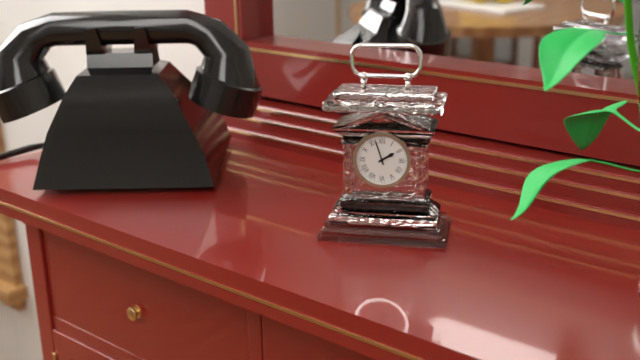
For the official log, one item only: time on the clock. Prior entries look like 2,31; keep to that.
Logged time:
1,57
